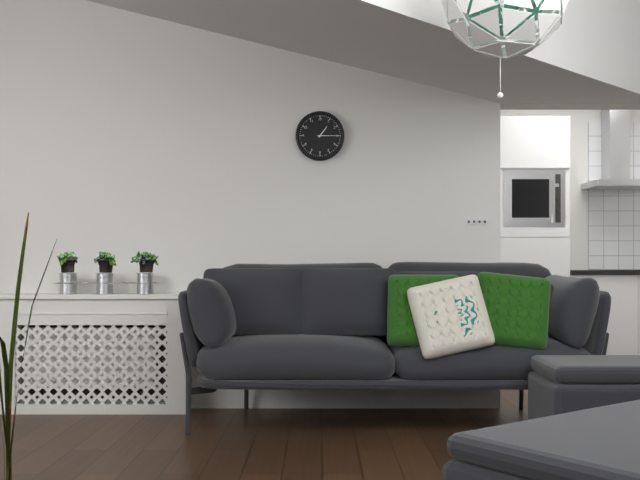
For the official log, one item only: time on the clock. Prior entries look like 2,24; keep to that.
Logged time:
1,15
